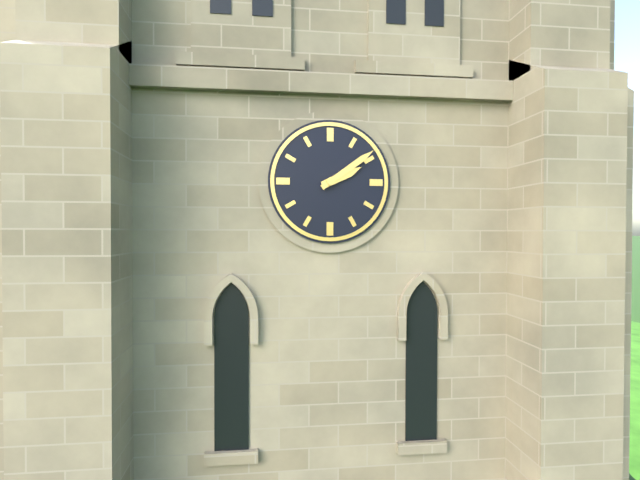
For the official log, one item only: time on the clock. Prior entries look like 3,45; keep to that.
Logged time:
2,09
